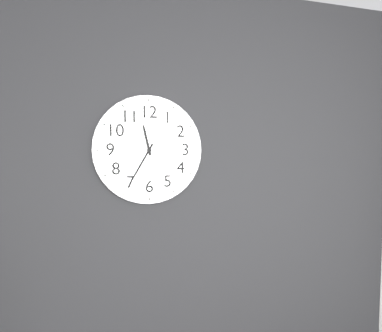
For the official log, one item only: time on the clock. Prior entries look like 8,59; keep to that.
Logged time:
11,35
